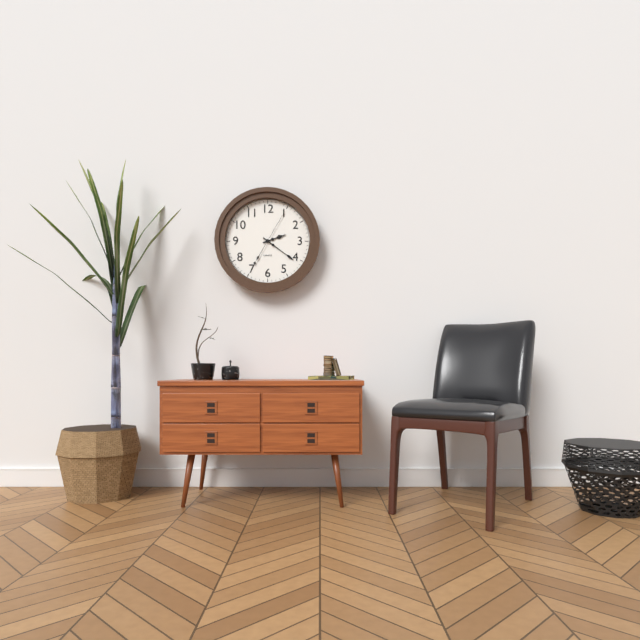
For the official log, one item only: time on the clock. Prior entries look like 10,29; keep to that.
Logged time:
2,21
